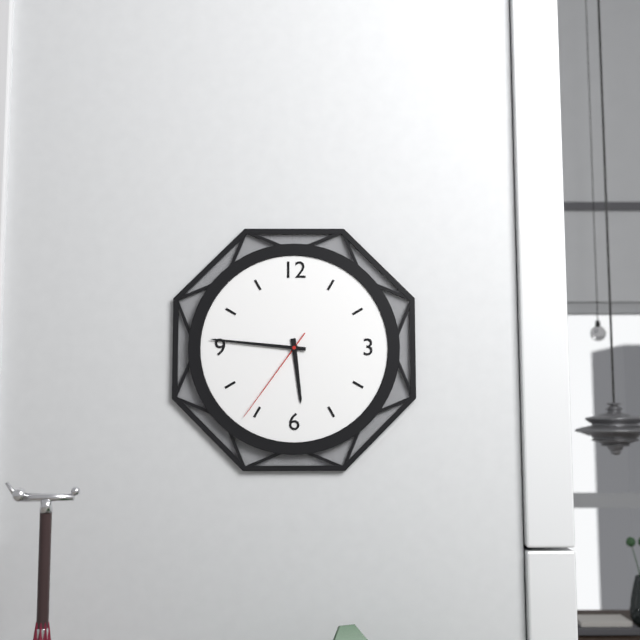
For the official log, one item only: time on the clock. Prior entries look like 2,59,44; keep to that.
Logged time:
5,46,36
